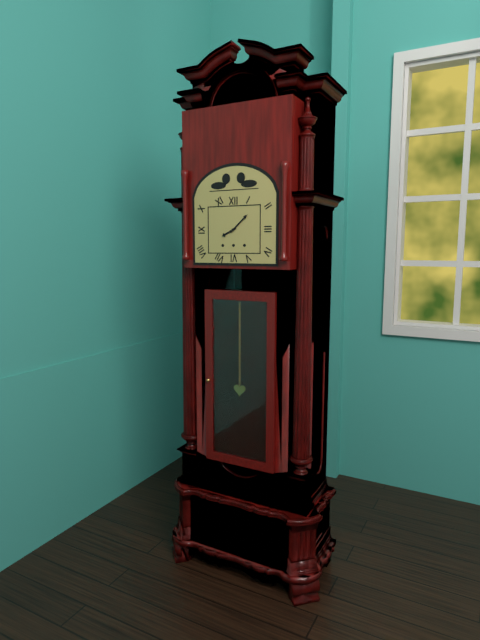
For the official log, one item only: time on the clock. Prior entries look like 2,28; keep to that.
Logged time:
8,08
